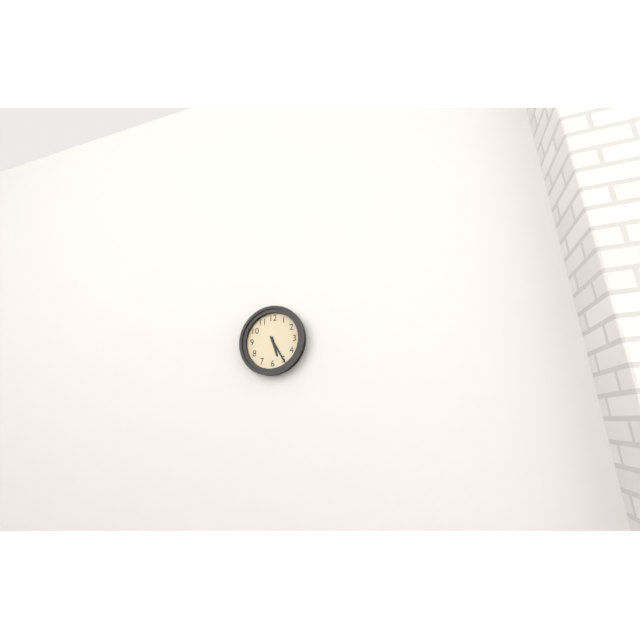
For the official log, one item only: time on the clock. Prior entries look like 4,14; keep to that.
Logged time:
5,25
